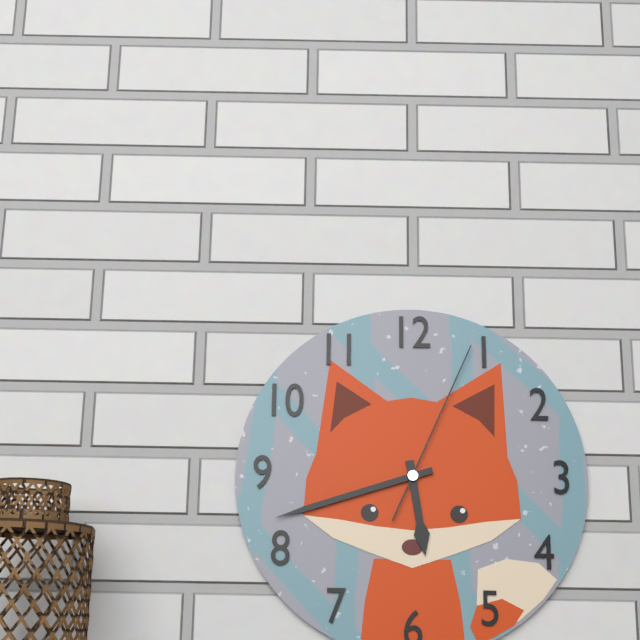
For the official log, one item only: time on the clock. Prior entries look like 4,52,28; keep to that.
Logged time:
5,42,04
